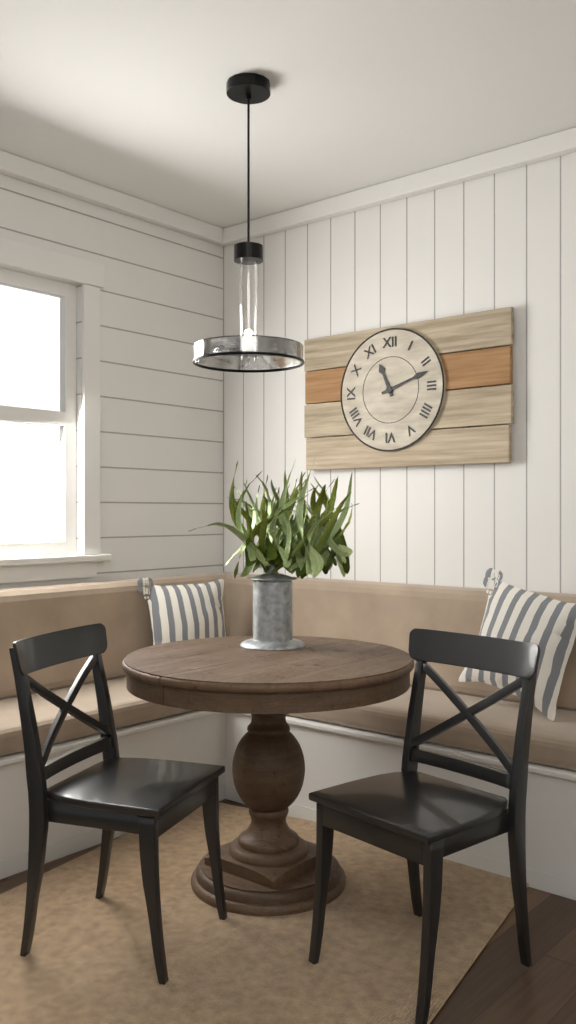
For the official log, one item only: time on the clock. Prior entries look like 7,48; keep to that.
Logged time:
11,12
